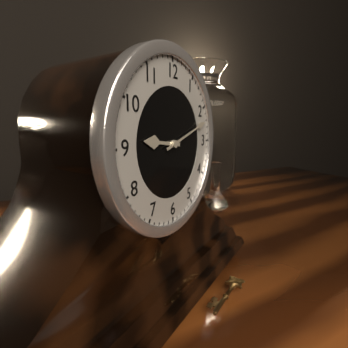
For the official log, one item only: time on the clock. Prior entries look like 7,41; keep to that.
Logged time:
9,12
